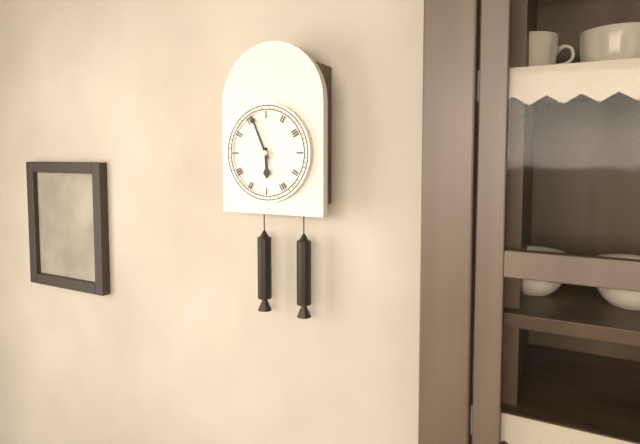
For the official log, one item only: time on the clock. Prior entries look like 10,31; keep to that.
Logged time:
5,56
